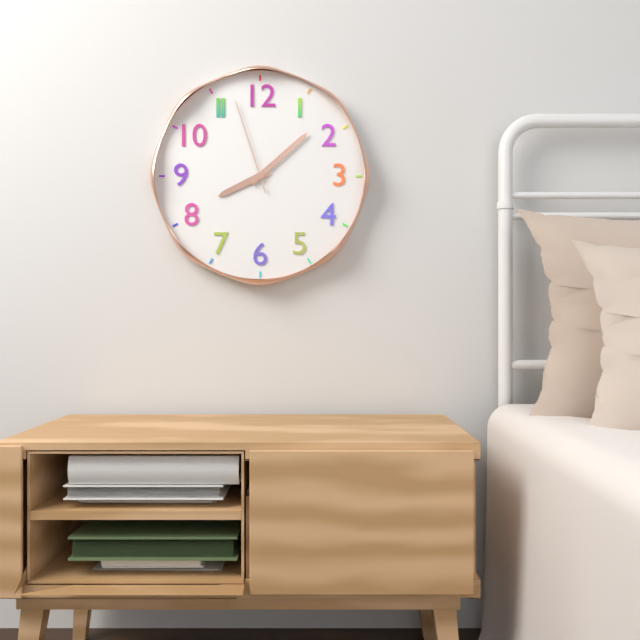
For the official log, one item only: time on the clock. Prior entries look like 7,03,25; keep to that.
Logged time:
8,08,57
